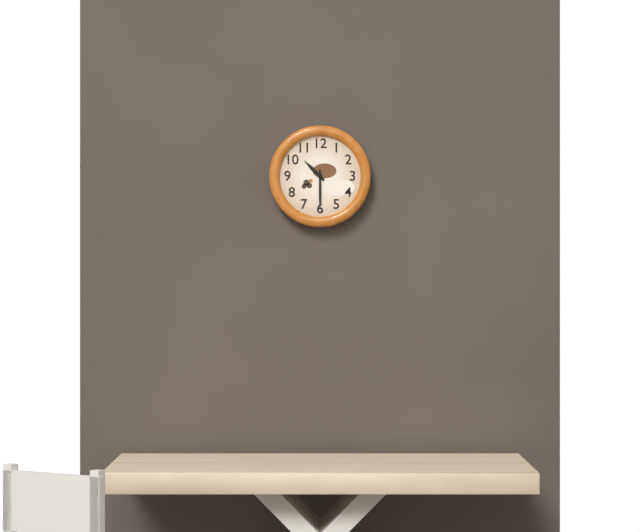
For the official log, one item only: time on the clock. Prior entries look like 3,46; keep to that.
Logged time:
10,30
